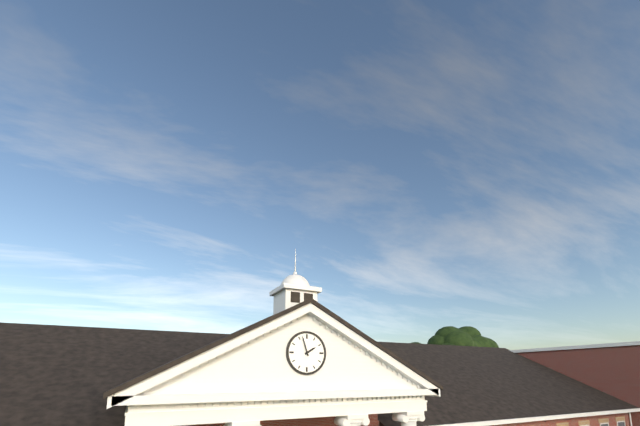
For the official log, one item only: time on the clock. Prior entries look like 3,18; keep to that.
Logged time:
1,57
